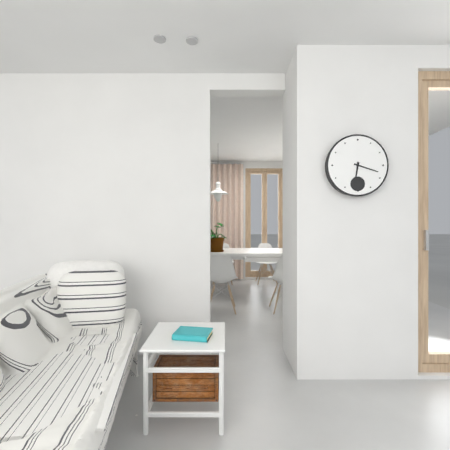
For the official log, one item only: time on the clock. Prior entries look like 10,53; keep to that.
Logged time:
6,18
